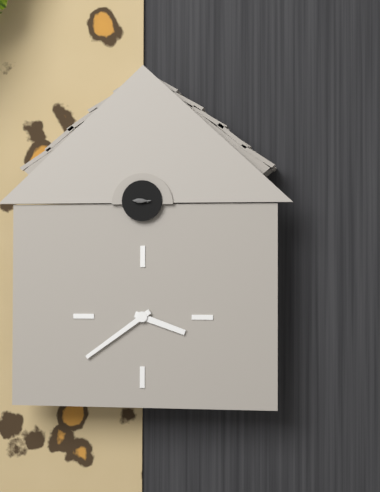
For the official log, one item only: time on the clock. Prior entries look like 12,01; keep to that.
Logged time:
3,39
